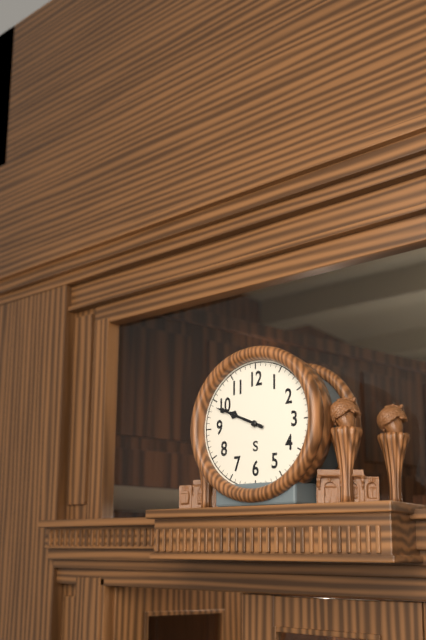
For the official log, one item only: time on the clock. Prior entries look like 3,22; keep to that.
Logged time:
9,49
